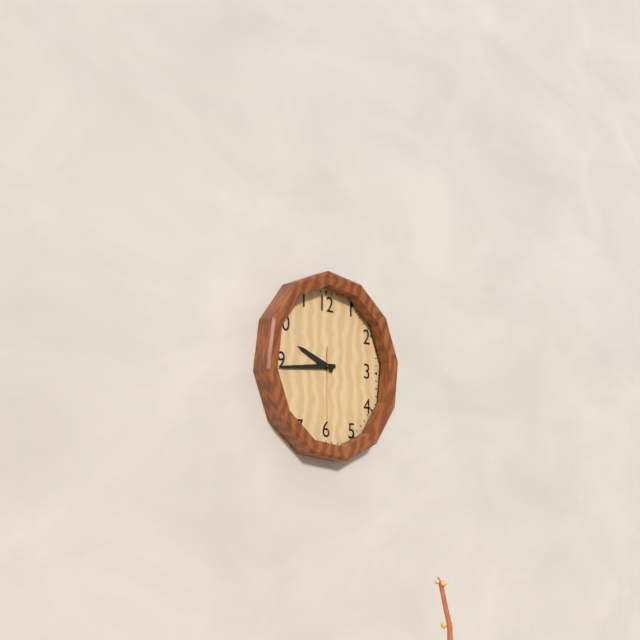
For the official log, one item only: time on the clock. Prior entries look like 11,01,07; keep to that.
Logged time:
9,44,30
